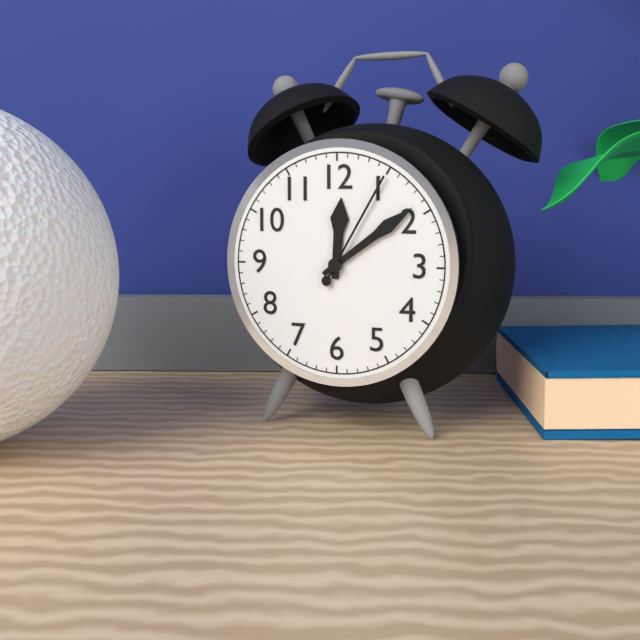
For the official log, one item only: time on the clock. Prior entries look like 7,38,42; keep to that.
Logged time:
12,09,05
